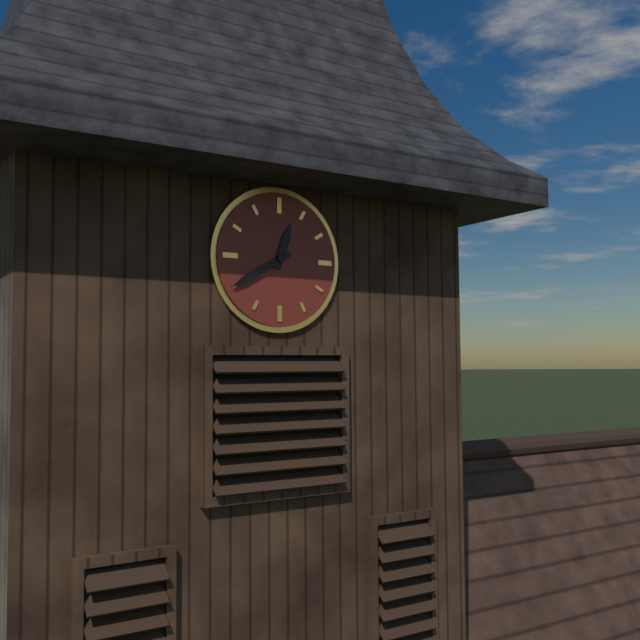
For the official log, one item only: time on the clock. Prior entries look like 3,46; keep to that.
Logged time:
12,40
